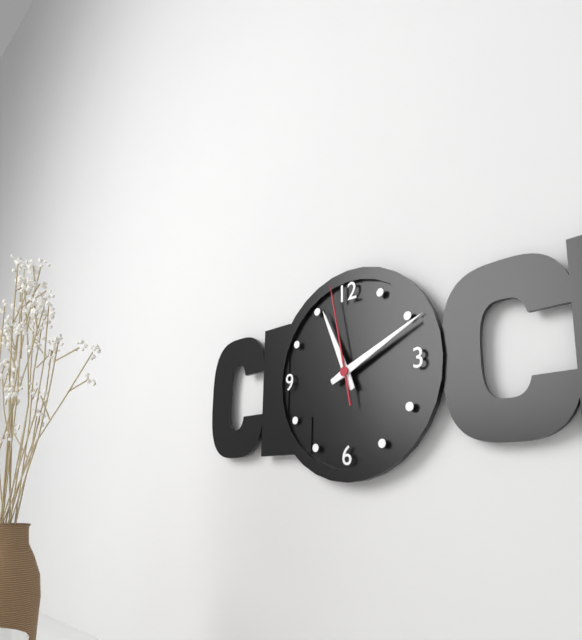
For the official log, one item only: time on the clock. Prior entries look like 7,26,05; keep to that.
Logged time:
11,11,58
